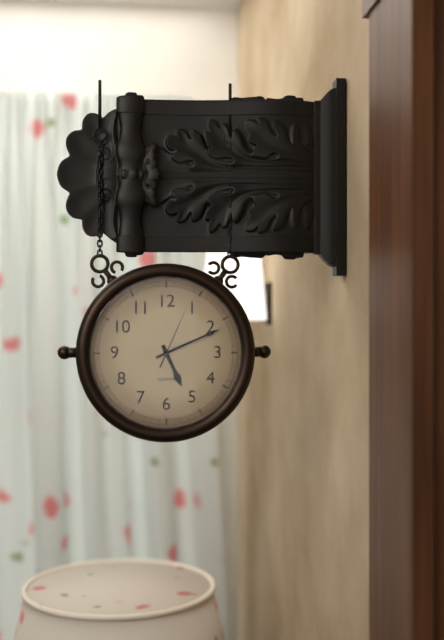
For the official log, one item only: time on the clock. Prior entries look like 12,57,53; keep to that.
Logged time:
5,11,04
